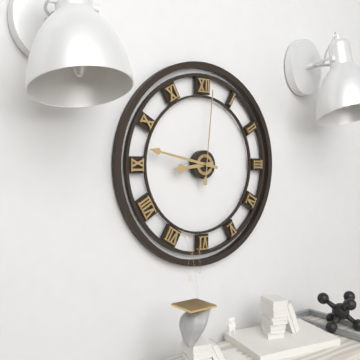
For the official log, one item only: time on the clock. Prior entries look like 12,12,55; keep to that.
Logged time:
8,47,01
